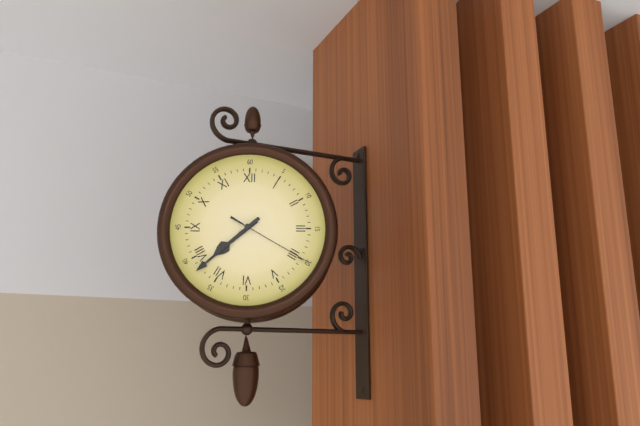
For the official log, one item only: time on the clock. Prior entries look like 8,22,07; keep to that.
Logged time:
7,38,20
